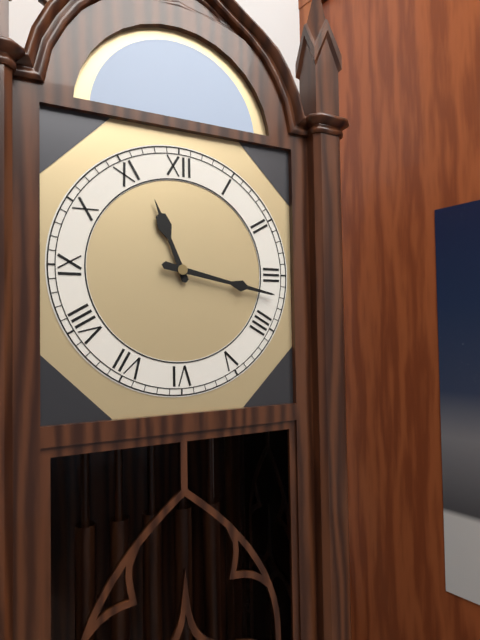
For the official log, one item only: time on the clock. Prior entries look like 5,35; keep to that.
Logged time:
11,17
